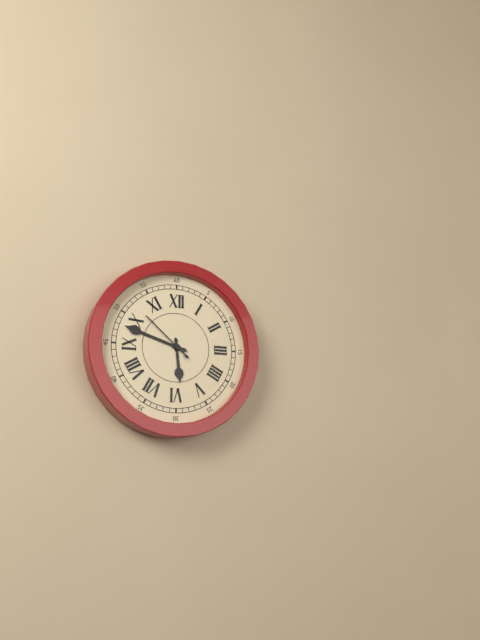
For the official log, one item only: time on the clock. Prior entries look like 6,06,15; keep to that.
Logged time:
5,48,52
